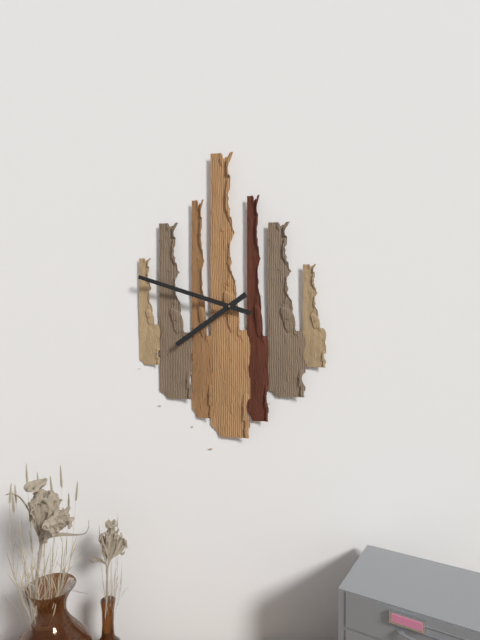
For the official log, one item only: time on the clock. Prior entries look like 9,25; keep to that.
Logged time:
7,48
